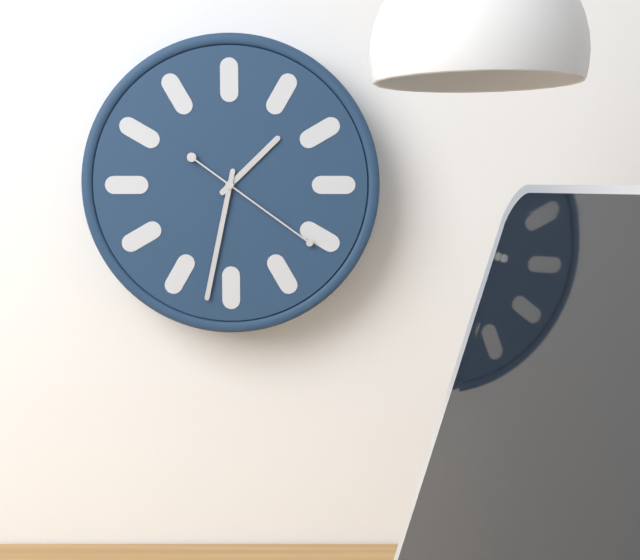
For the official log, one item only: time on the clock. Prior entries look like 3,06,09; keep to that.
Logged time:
1,32,21
